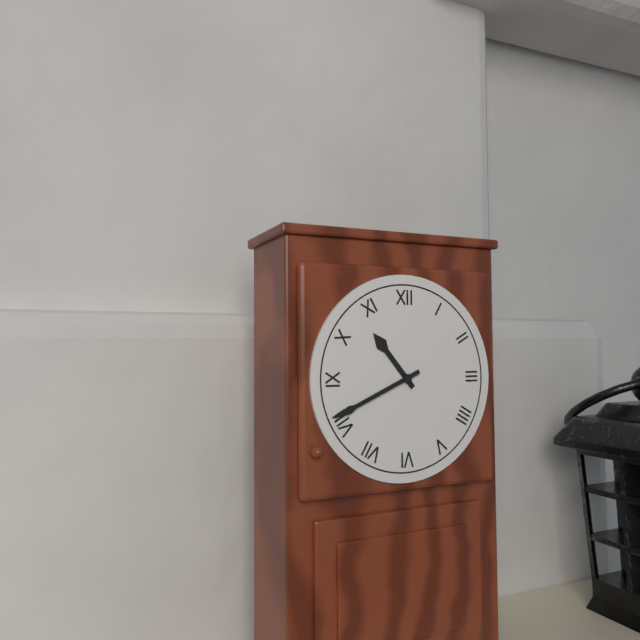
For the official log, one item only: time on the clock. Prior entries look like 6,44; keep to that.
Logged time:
10,41
